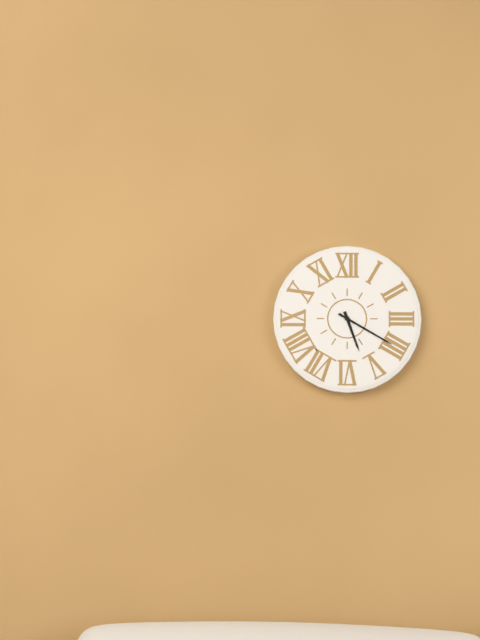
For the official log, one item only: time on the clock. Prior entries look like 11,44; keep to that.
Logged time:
5,20
